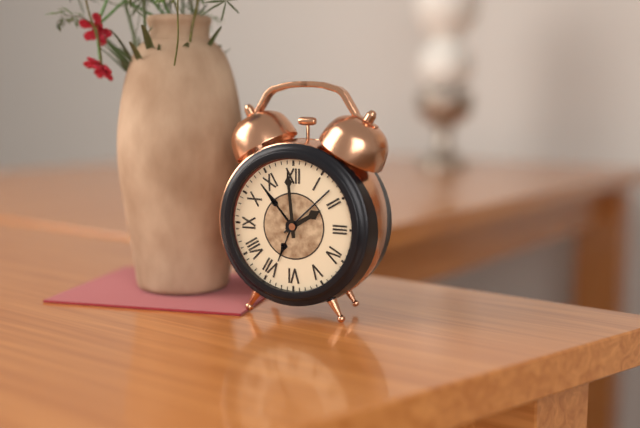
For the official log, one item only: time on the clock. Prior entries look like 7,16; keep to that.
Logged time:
1,59
